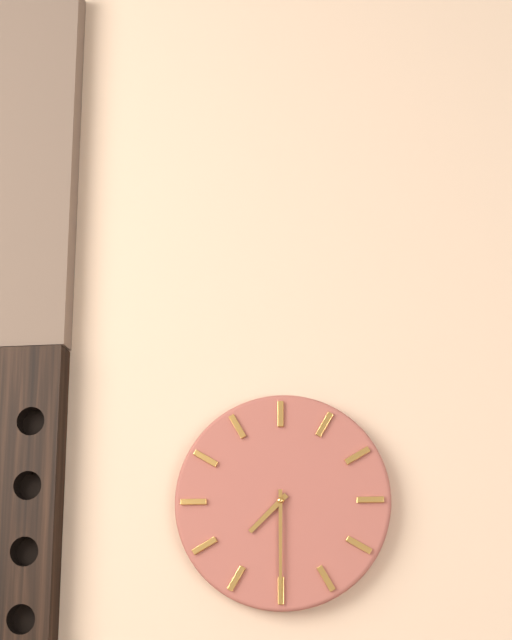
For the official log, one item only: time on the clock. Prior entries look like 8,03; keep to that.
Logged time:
7,30
